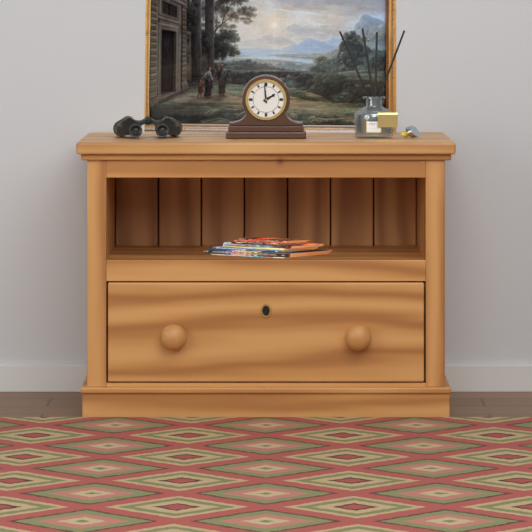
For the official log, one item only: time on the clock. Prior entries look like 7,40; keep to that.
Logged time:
1,59
